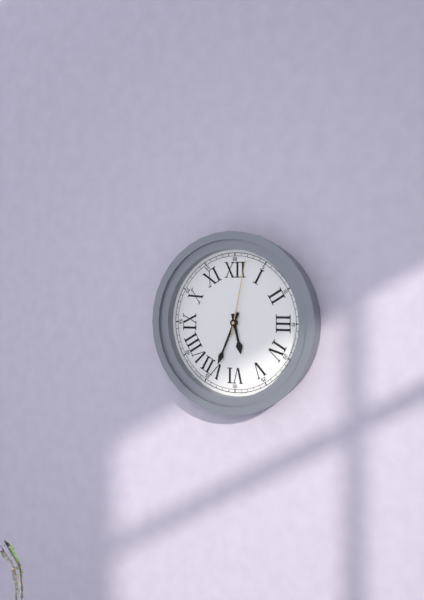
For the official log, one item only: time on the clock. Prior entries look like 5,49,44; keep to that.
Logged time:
5,34,02
